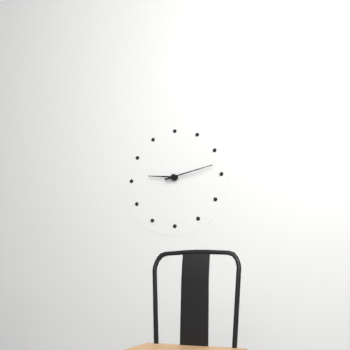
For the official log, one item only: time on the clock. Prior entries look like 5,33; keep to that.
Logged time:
9,13
